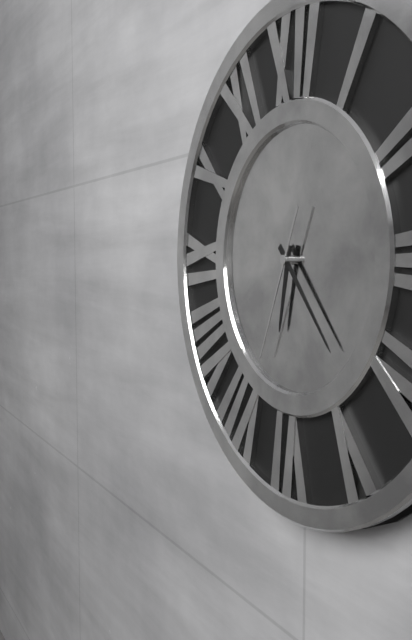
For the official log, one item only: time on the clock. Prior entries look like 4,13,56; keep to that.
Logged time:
6,23,34
